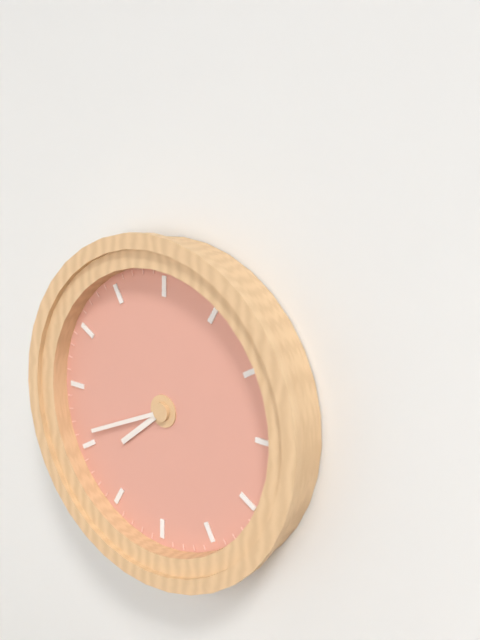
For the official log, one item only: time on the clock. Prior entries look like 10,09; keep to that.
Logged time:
7,41
